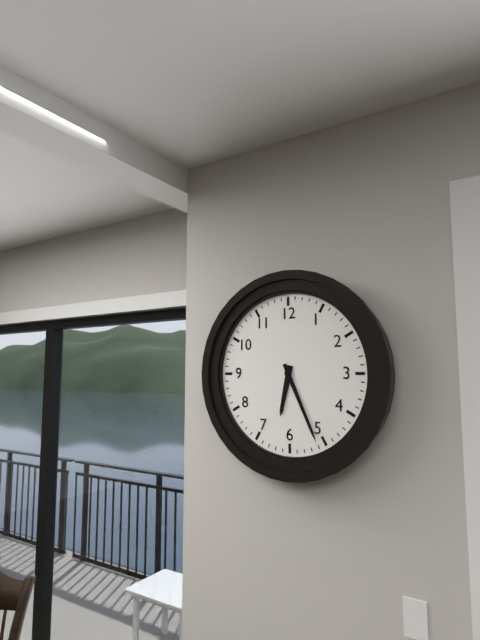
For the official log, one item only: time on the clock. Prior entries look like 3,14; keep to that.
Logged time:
6,26
